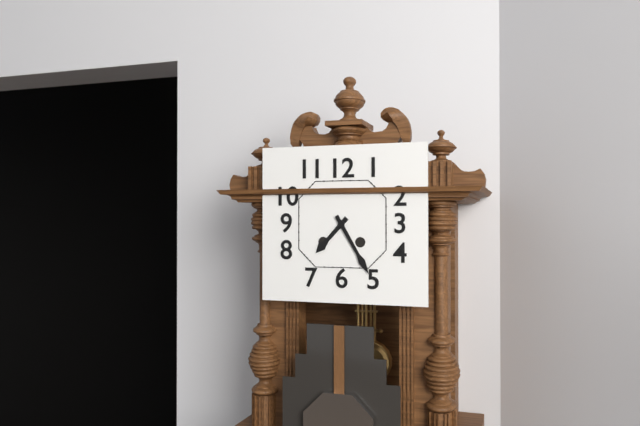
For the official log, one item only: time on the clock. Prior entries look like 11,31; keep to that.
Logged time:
7,25
